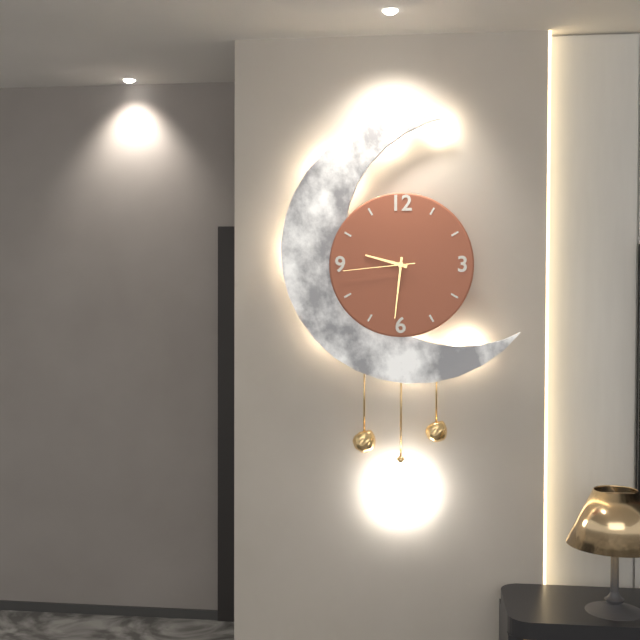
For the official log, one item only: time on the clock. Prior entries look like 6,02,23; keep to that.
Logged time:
9,31,44
